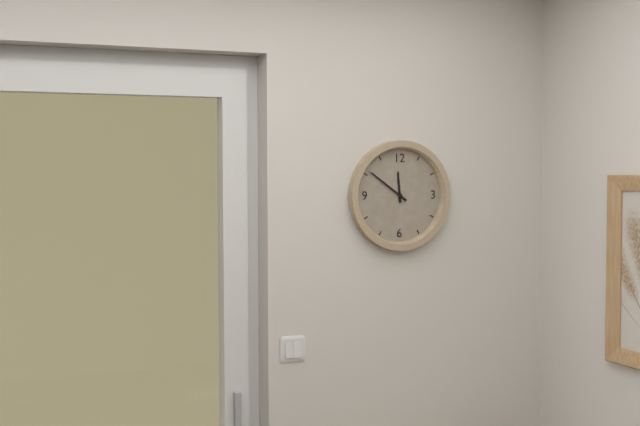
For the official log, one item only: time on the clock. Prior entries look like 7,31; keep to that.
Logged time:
11,51
